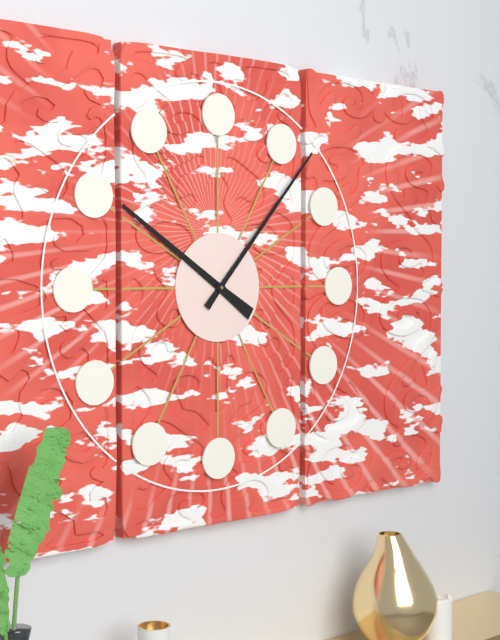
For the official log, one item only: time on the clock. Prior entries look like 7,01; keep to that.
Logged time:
10,07
